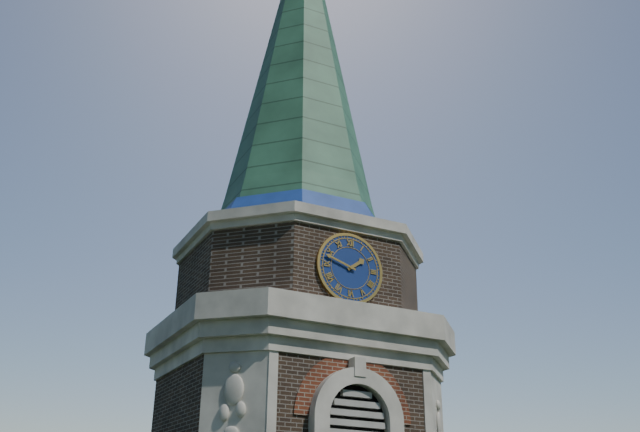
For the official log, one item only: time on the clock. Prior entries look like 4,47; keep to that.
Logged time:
1,48
